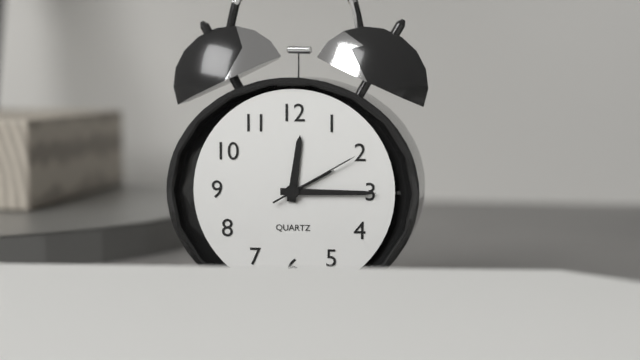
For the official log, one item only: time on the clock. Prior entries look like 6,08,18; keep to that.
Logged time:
12,15,10
